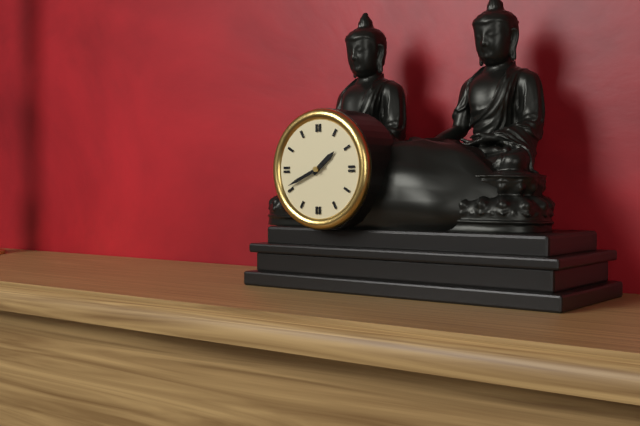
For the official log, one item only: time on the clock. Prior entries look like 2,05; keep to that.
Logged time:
1,41
